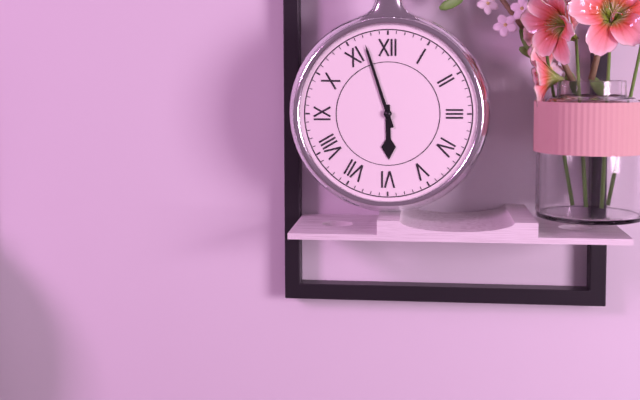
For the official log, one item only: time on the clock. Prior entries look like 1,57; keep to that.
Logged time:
5,57
